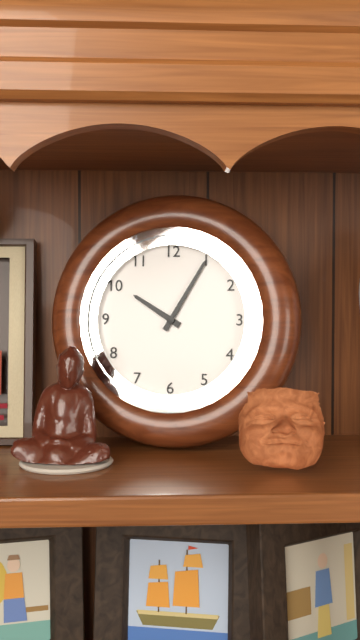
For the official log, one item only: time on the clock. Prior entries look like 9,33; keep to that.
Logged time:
10,05
